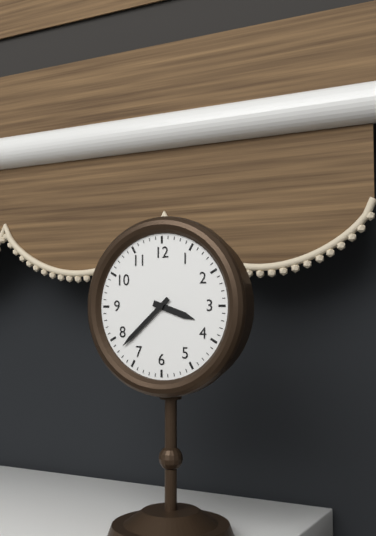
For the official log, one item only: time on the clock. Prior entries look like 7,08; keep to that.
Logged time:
3,38
